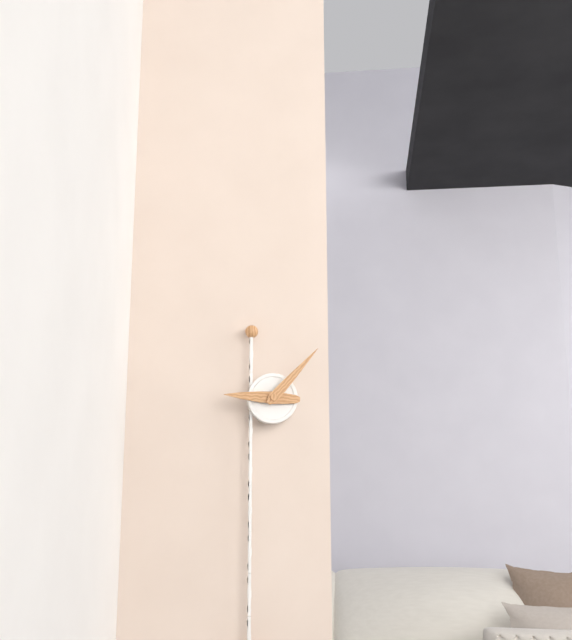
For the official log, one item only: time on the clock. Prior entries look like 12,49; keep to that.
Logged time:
9,07
